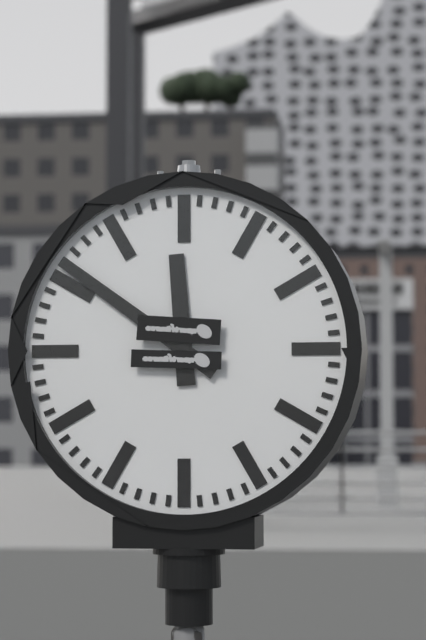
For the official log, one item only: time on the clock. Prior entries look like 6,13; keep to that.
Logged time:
11,51
